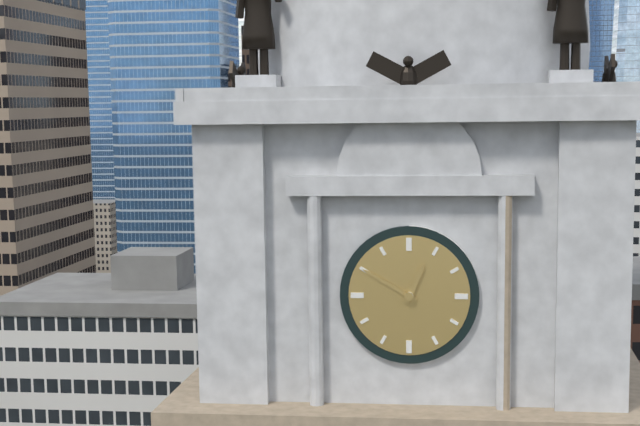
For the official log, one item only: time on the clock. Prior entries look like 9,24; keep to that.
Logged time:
12,50
